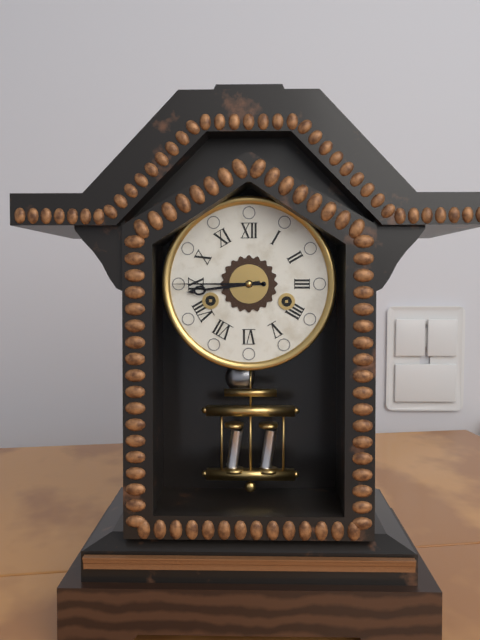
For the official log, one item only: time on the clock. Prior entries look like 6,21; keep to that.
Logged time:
8,45
